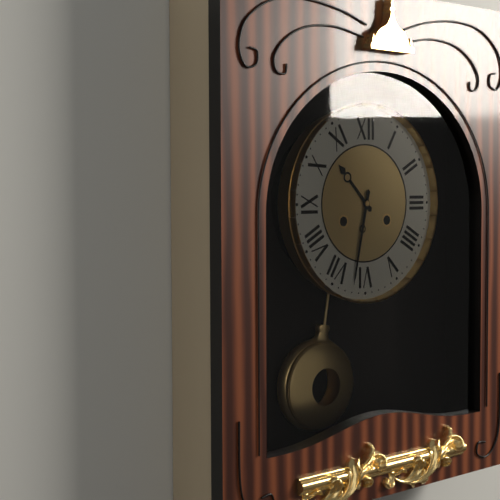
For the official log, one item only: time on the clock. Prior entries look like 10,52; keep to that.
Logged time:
10,32
